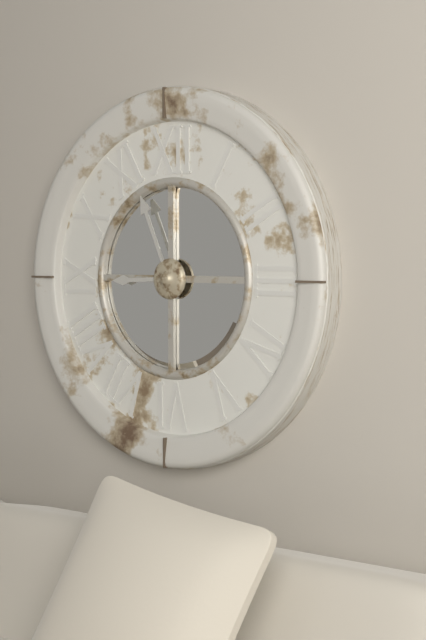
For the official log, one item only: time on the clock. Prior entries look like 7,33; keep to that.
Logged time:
8,56
